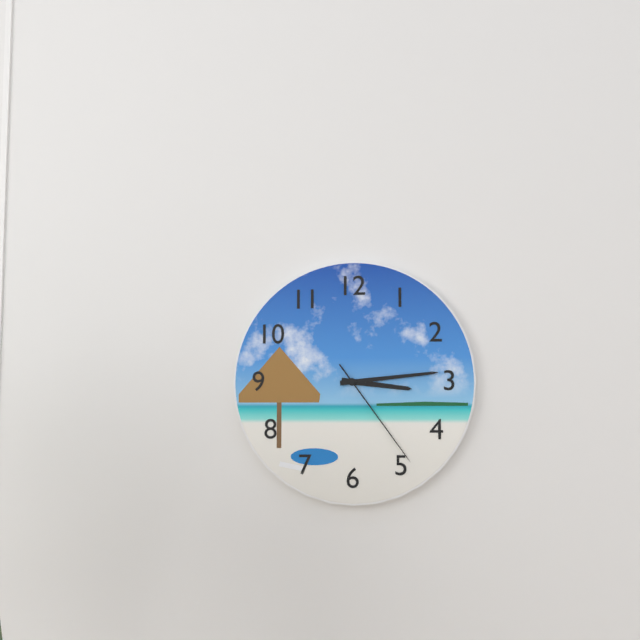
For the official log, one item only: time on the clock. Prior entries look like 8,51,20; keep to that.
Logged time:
3,14,24
